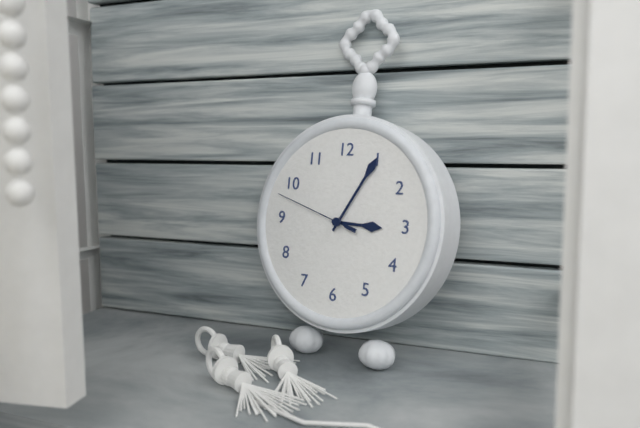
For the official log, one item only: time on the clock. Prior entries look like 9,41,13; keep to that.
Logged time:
3,05,48
